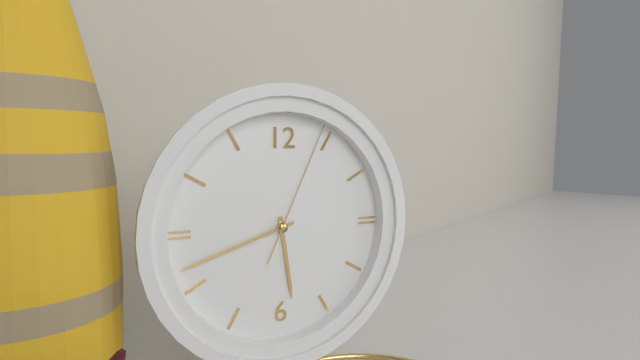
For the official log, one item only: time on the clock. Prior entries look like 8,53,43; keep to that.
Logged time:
5,42,04
